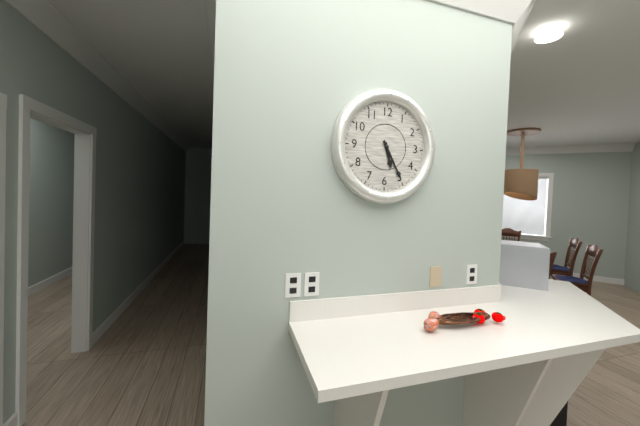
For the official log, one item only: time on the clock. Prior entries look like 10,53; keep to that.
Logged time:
5,25
